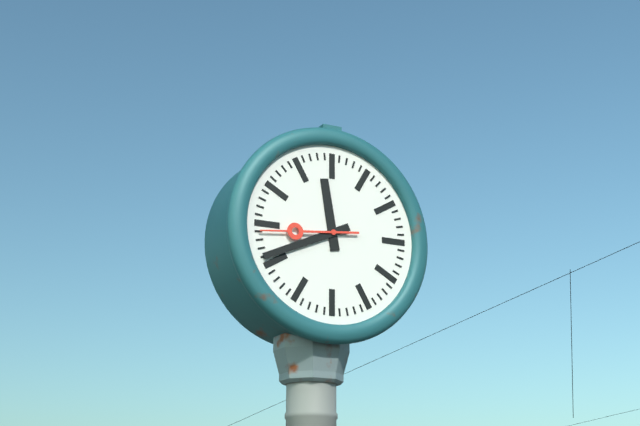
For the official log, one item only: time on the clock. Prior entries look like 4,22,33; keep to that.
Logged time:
11,41,44
